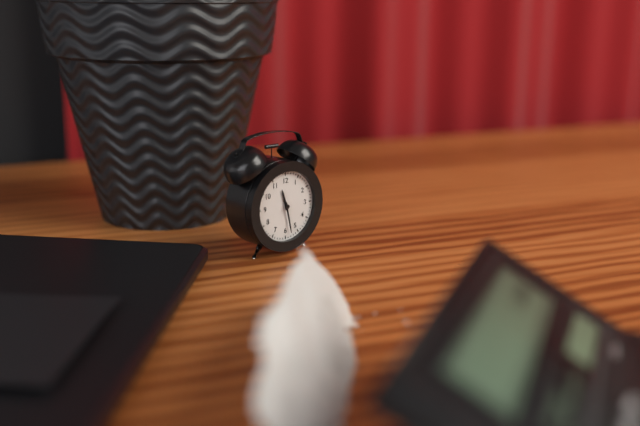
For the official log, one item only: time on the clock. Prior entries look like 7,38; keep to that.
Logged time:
11,28
